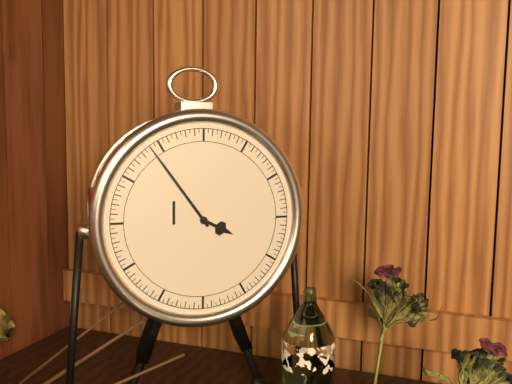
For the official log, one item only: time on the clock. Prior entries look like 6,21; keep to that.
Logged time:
3,54
